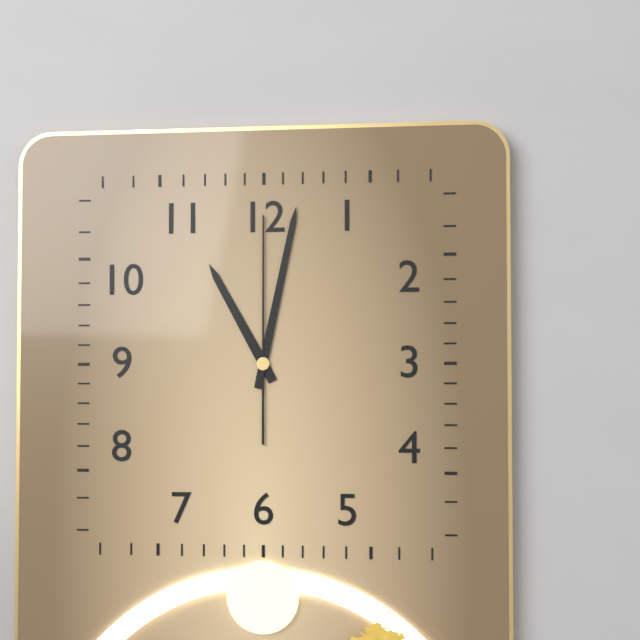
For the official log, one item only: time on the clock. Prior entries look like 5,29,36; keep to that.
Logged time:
11,02,00
